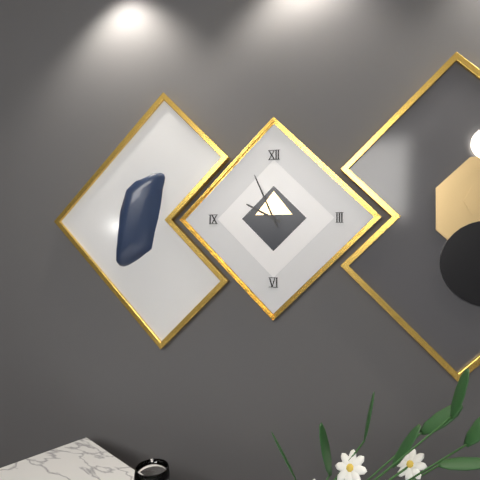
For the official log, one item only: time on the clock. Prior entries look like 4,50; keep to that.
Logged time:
9,56
